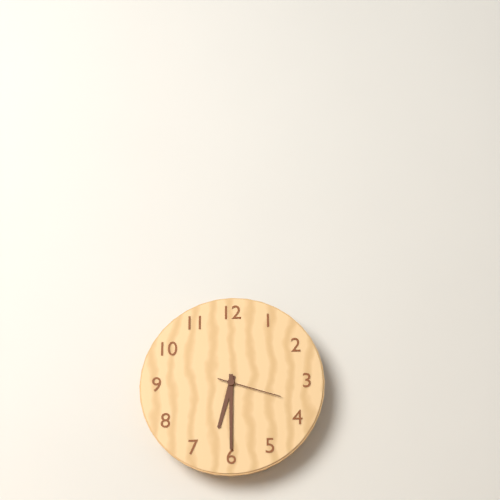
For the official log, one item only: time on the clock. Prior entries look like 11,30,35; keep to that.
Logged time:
6,30,18
